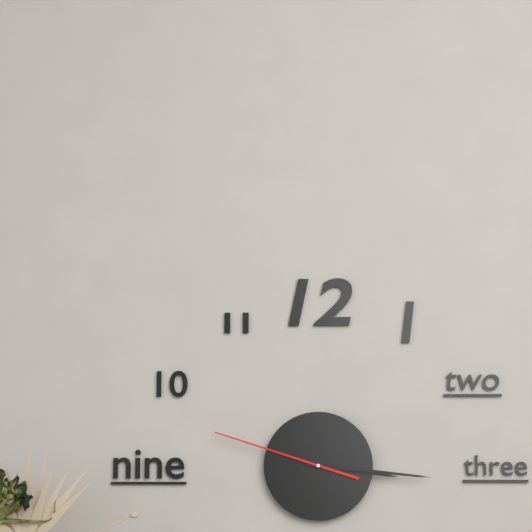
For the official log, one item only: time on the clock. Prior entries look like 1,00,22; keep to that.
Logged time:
3,16,48
